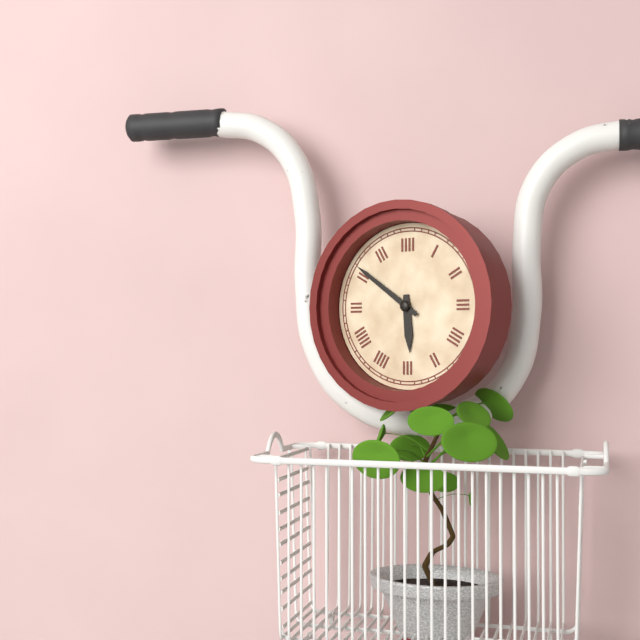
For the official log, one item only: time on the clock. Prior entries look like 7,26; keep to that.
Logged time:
5,51
